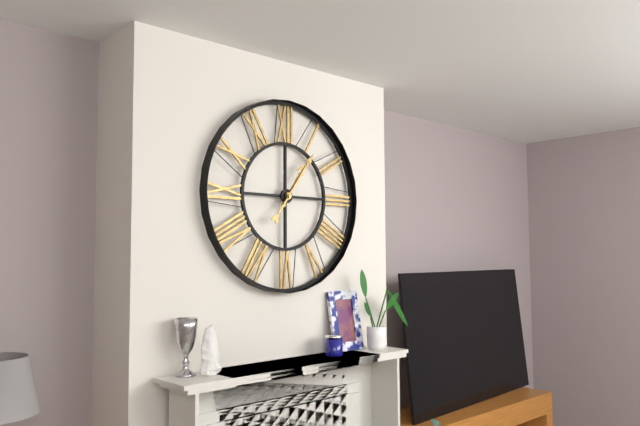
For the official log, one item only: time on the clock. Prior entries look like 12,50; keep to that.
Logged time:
1,06
